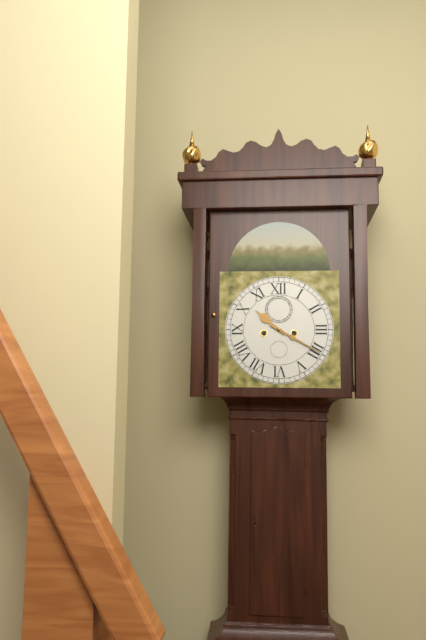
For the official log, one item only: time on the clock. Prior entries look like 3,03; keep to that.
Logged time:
10,20
